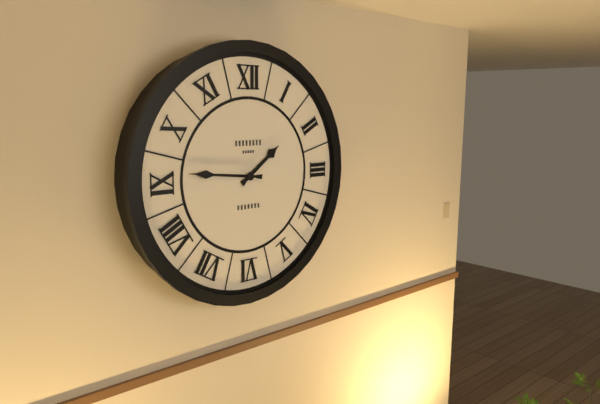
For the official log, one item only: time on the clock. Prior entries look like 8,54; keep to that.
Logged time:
1,46
